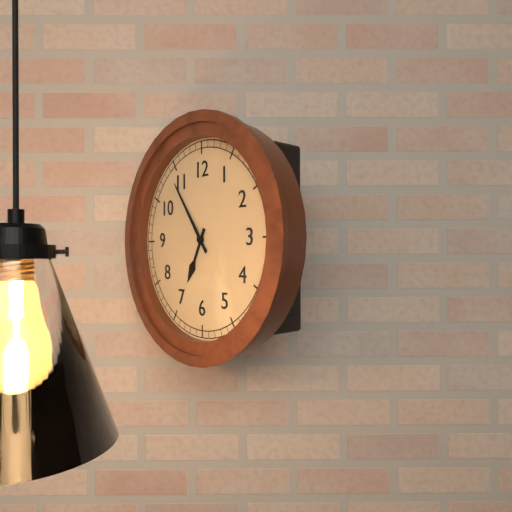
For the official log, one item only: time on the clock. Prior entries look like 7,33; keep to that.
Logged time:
6,54
